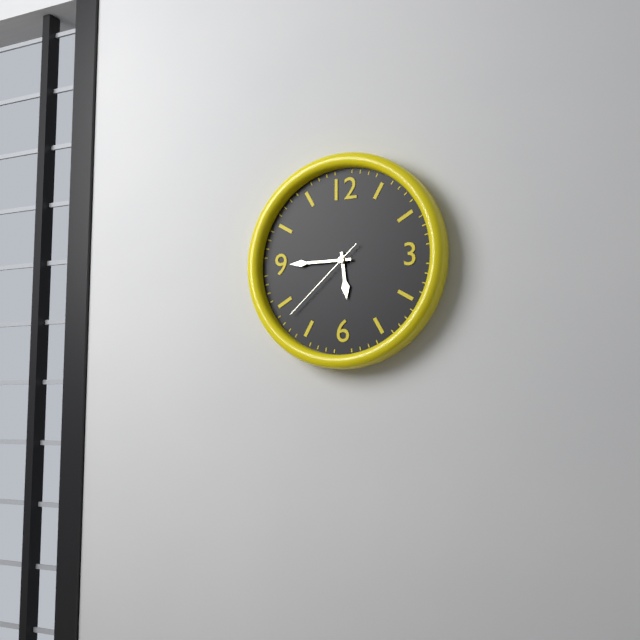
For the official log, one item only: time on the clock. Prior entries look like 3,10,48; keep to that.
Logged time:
5,45,38
